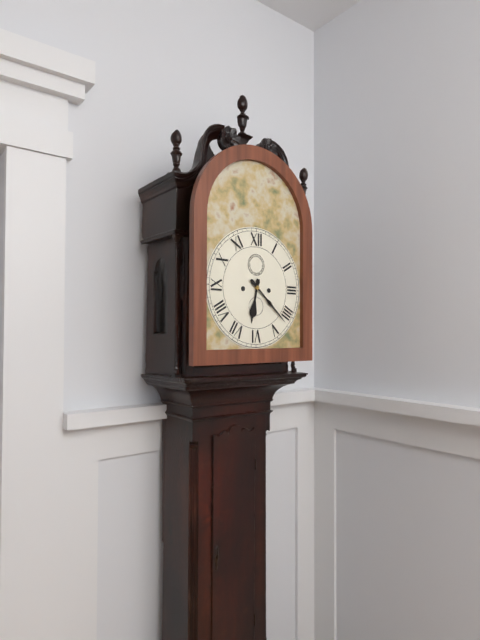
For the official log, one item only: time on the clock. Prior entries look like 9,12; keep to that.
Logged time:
6,22
